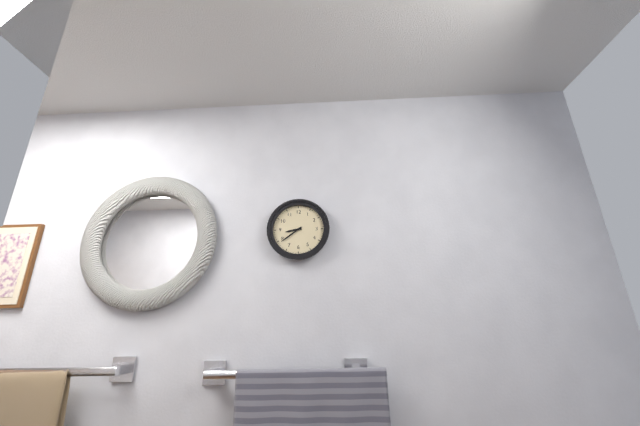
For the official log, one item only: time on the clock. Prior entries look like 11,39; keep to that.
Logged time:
8,39
